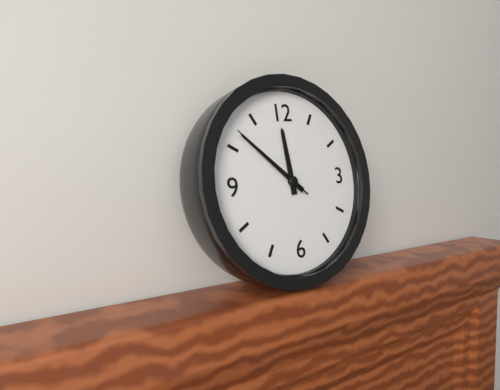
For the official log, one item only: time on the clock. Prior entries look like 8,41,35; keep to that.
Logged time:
11,52,52
